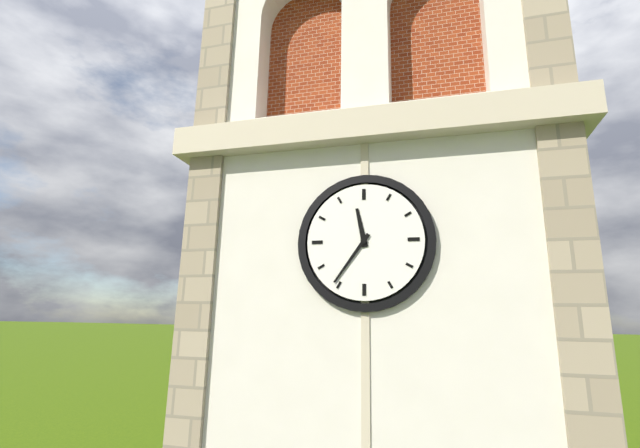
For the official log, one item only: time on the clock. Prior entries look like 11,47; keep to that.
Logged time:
11,36
